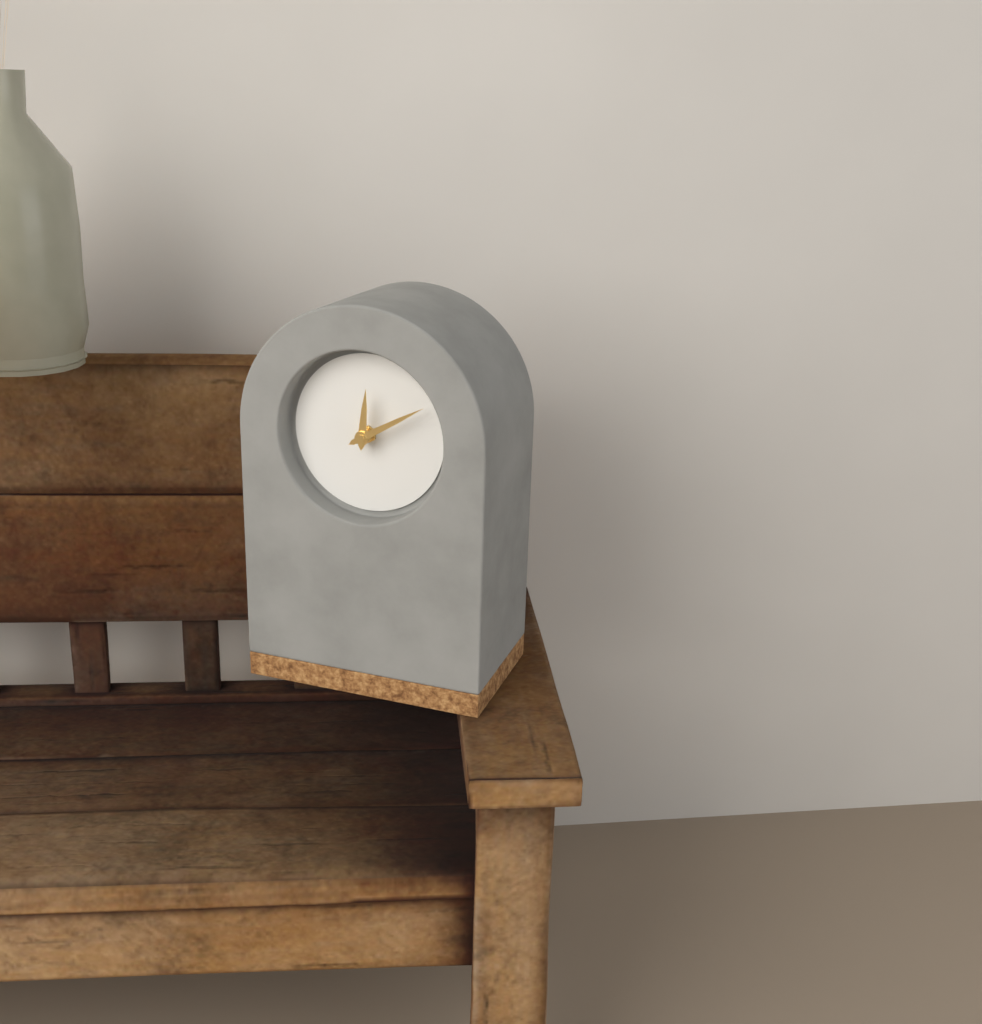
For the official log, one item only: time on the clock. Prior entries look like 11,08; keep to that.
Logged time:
12,10
